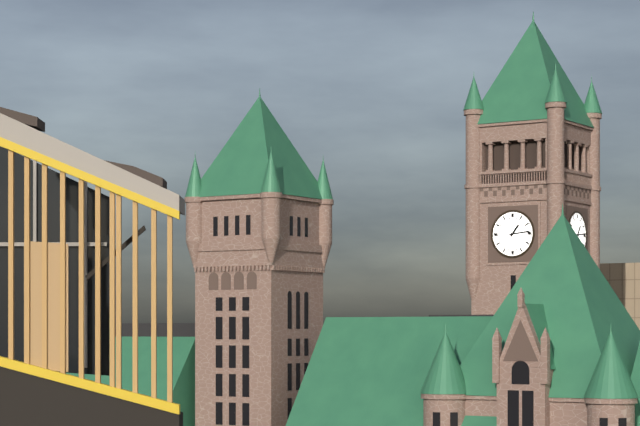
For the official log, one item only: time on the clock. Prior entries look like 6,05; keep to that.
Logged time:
1,14
